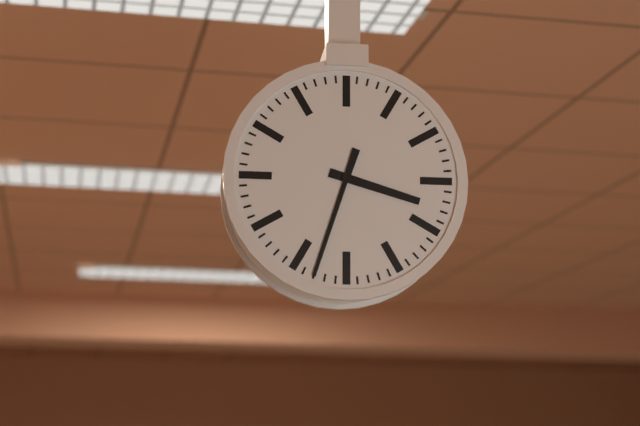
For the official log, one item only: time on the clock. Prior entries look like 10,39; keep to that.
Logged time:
3,33
